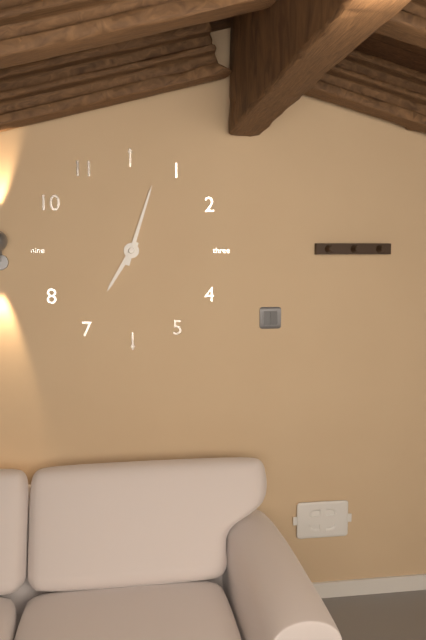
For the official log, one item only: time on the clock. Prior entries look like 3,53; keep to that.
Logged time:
7,03
